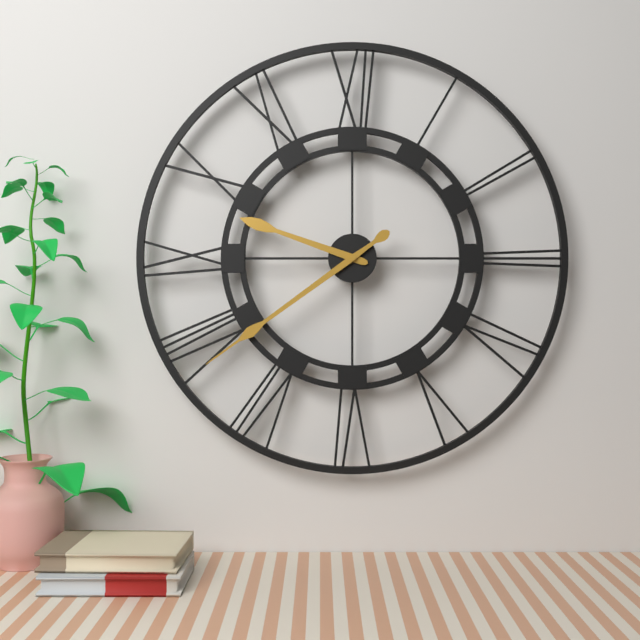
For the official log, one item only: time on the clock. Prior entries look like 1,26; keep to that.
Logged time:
9,39
